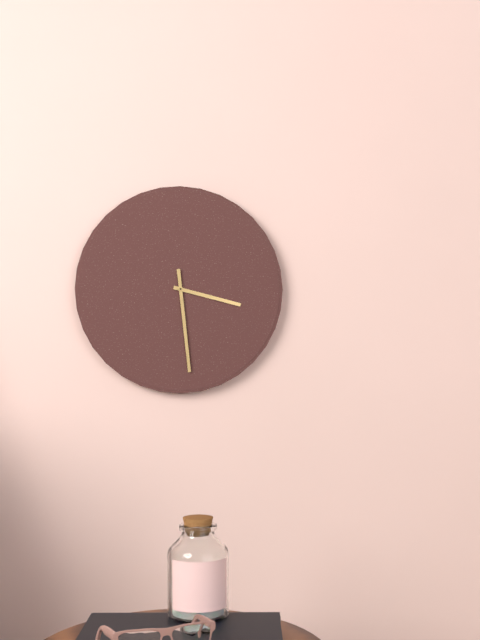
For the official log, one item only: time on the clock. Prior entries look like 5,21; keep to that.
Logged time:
3,29
